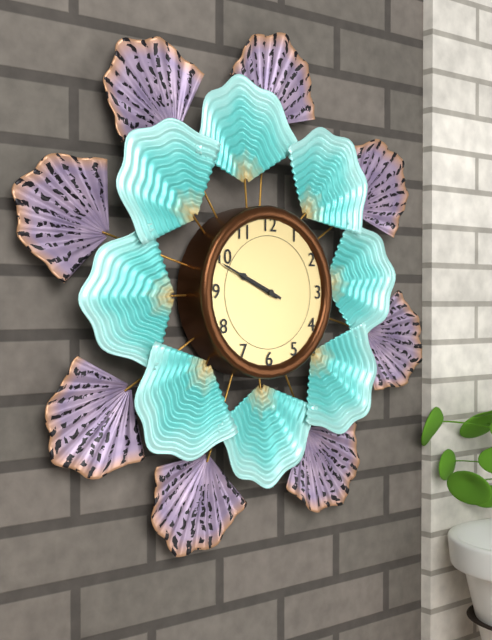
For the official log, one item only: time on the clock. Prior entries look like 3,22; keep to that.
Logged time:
9,49
